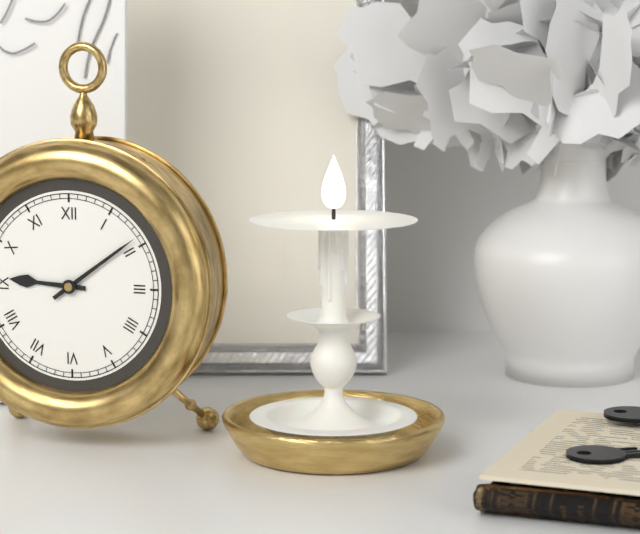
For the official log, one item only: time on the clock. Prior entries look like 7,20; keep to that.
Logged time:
9,09
